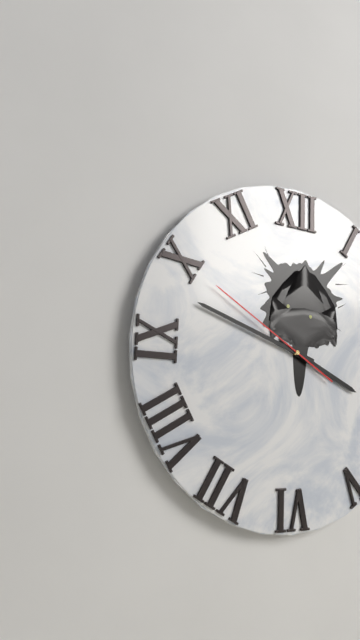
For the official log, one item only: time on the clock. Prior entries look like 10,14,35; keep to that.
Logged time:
3,48,50
